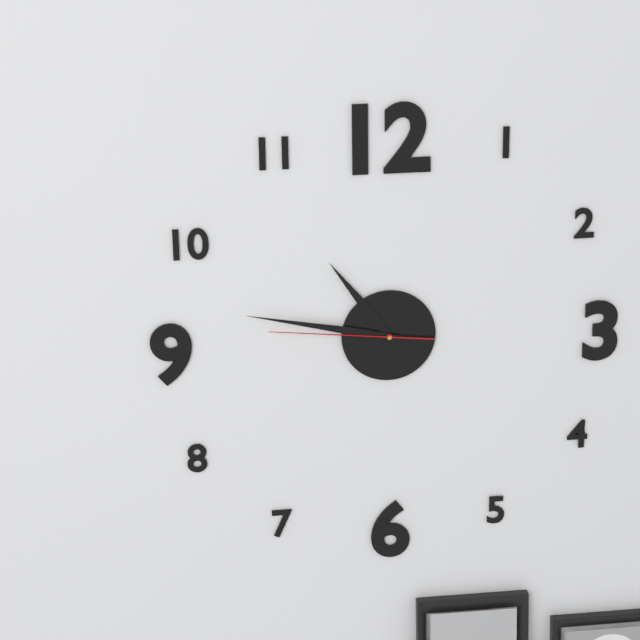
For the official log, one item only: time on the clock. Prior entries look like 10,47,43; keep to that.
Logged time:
10,47,46
